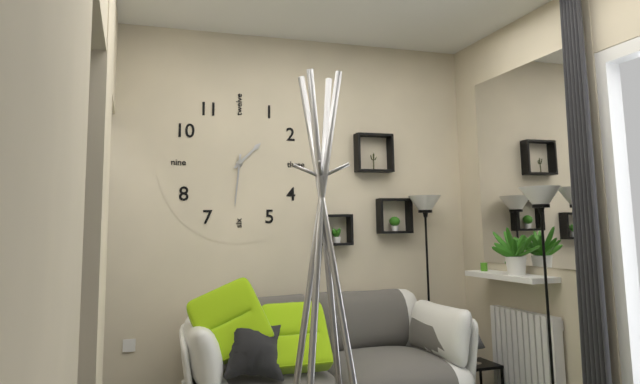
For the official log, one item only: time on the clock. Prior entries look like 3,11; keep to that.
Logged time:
1,31
